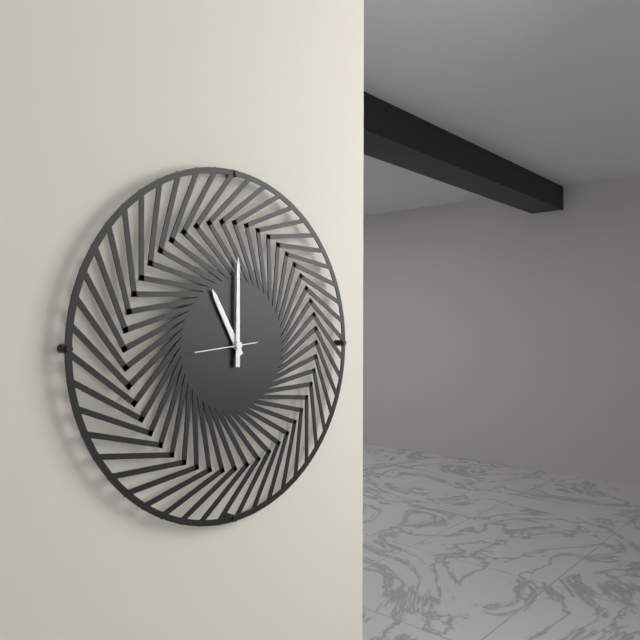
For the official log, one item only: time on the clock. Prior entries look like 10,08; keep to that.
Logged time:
11,00
